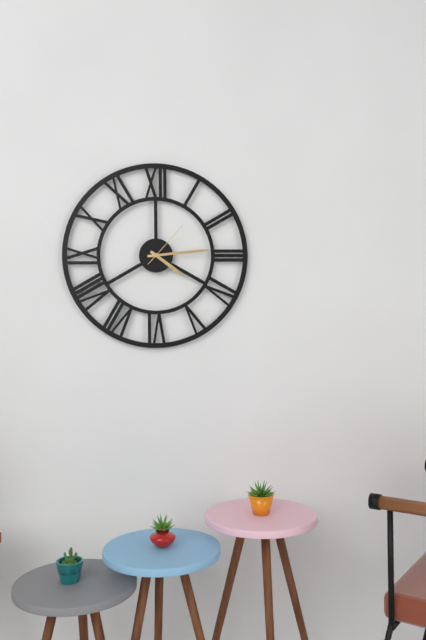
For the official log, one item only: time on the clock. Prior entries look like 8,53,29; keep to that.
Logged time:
4,14,07
